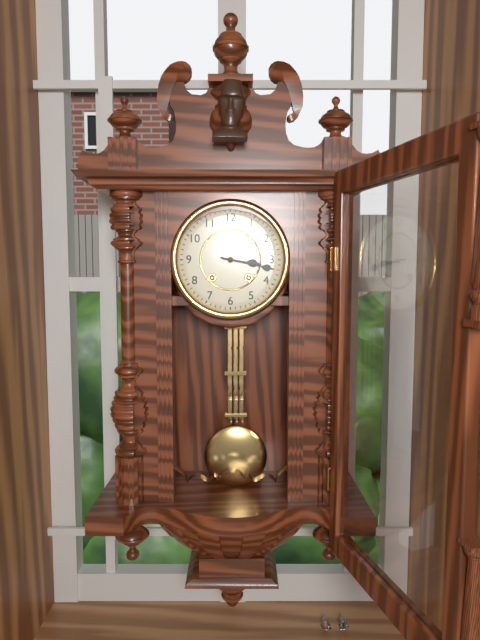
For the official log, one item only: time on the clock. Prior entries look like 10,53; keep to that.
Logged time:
3,17
